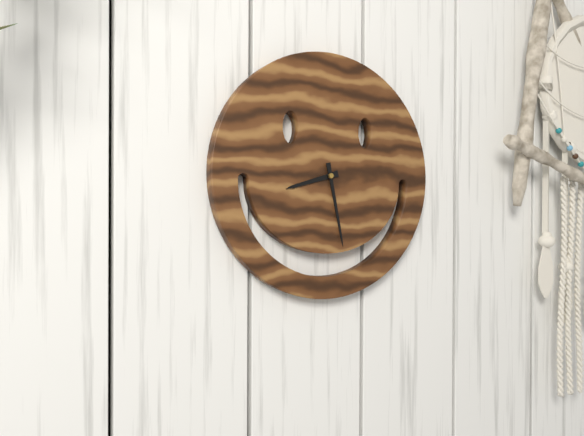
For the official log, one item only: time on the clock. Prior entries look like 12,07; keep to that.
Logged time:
8,28
